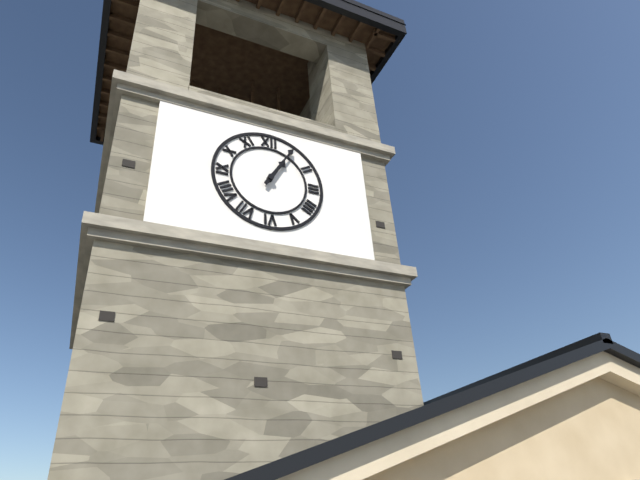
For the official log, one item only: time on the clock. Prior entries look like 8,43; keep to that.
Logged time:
1,05
